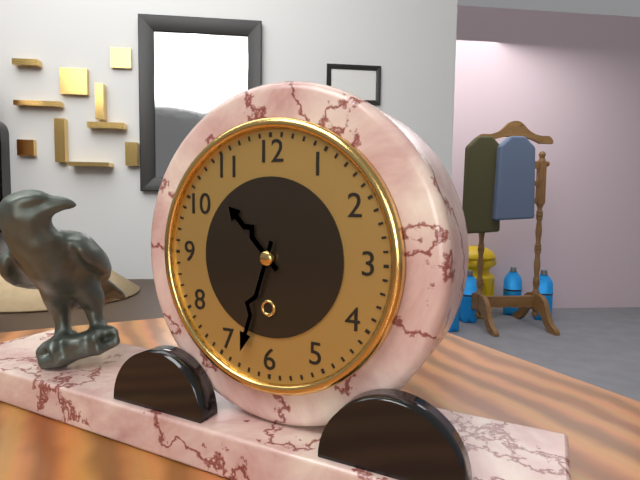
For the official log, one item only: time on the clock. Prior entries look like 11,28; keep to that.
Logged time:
10,33
